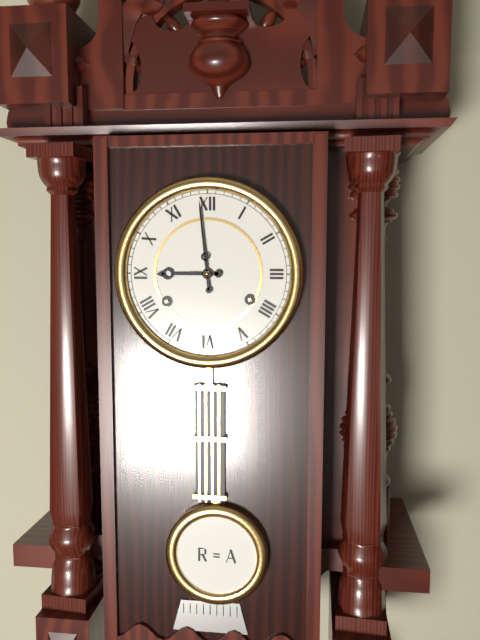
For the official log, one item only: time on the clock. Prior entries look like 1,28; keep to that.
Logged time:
8,59
